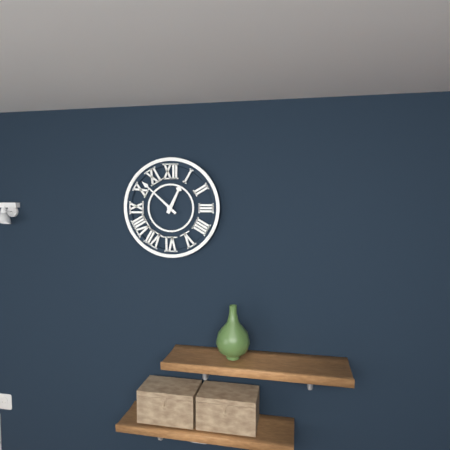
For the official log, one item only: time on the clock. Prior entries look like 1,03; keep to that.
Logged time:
12,52
